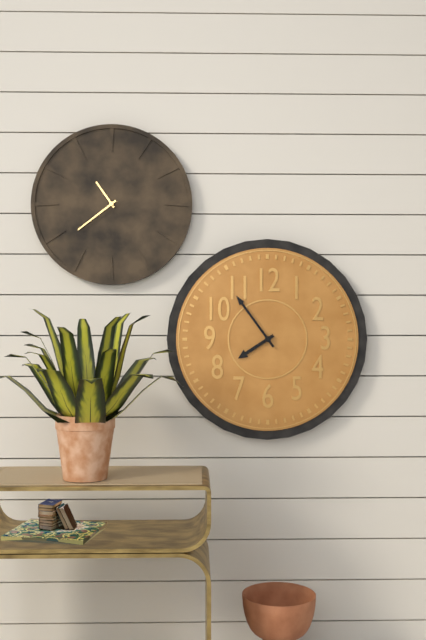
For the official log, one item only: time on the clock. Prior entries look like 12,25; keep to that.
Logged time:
7,54
